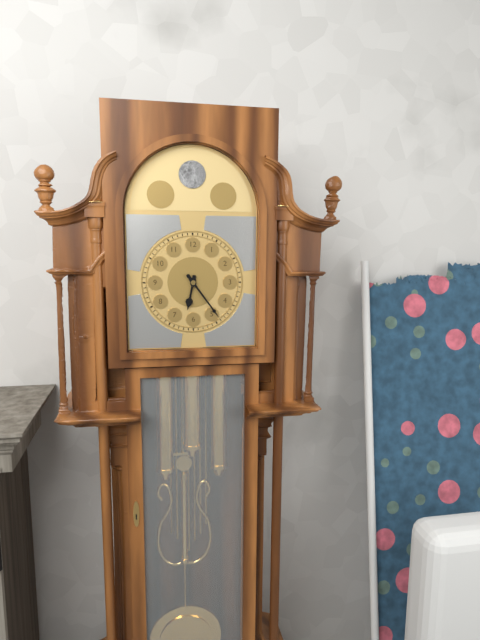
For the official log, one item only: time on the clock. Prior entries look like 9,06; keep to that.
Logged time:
6,24
